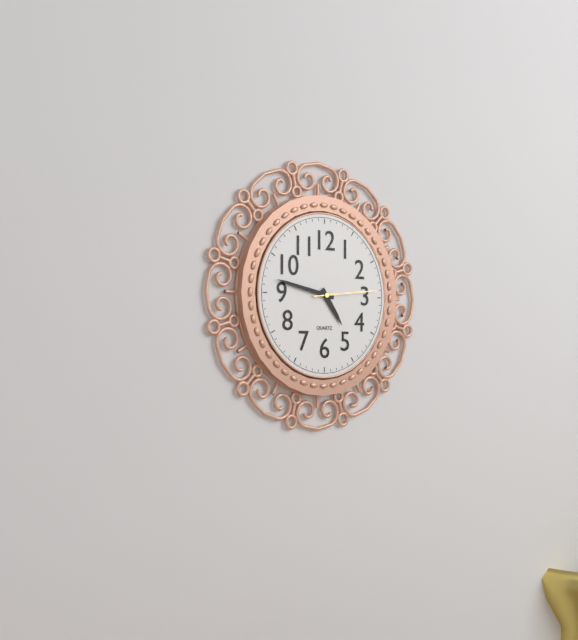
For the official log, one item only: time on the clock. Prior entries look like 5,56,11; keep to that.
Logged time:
4,47,14
